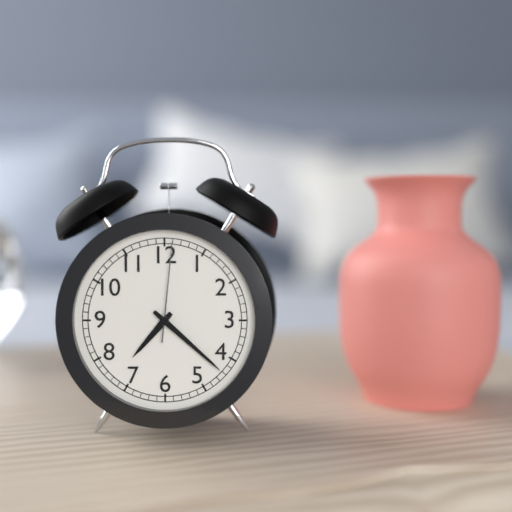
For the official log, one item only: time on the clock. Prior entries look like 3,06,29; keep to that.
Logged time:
7,22,01
